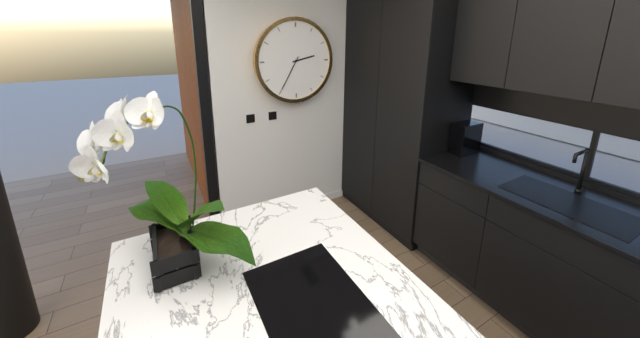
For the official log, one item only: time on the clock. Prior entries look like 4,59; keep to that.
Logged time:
2,35
